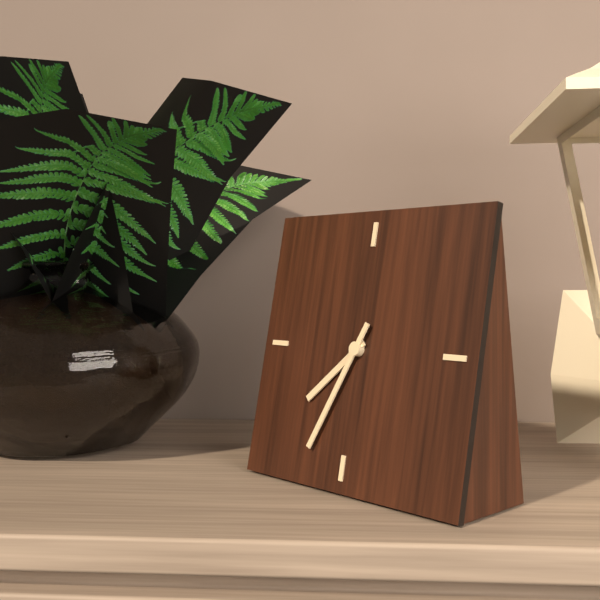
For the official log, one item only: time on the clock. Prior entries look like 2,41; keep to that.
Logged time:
7,34
